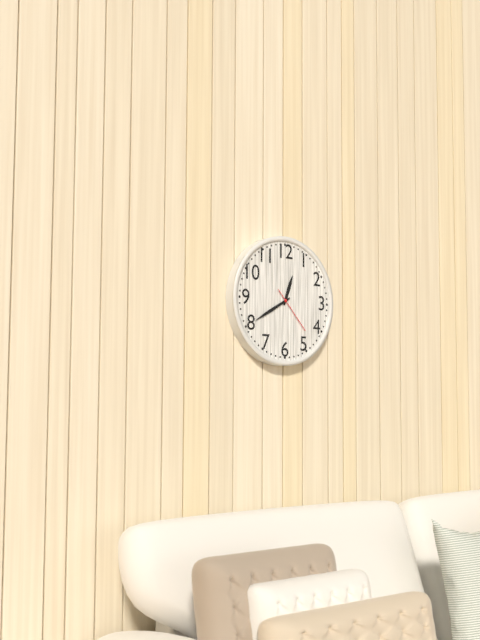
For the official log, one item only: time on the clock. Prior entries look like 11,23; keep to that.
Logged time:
12,40
